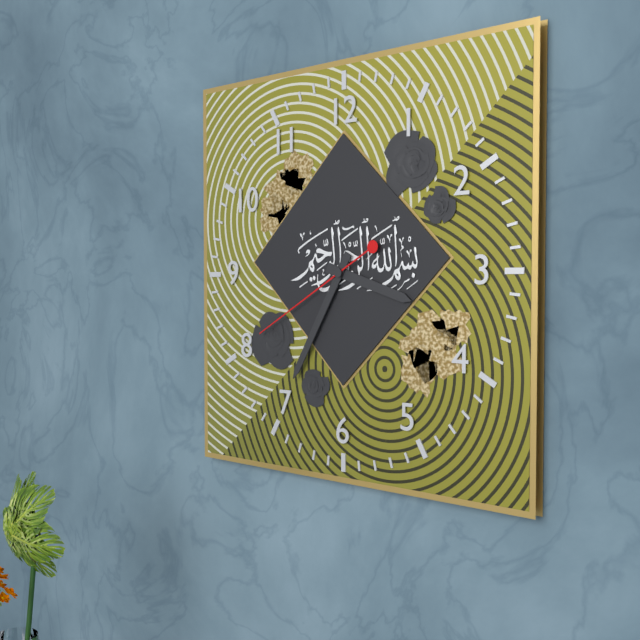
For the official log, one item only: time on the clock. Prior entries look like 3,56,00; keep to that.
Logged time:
3,35,40
